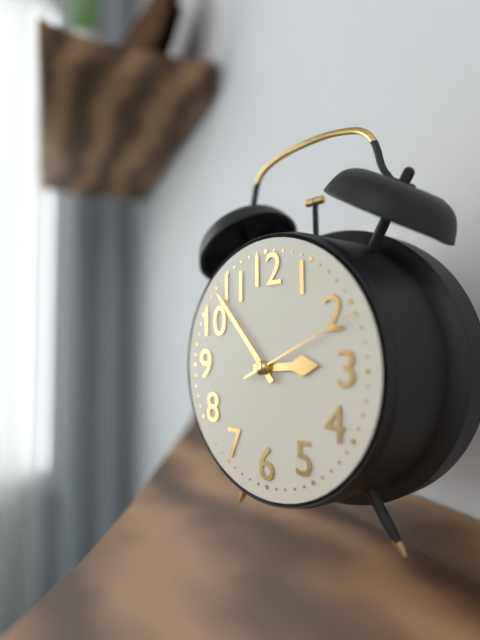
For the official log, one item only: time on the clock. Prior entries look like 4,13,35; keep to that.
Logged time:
2,53,11
